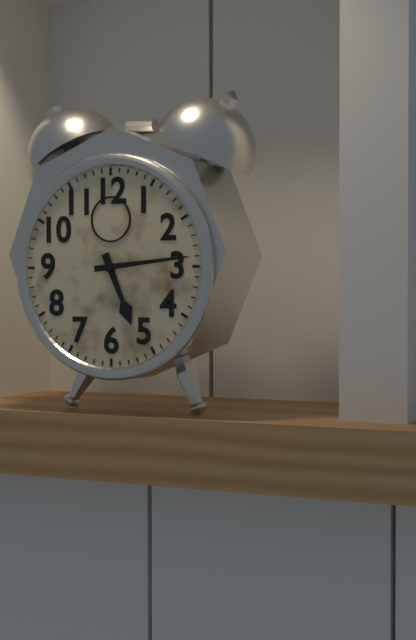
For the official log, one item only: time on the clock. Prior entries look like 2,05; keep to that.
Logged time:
5,14
